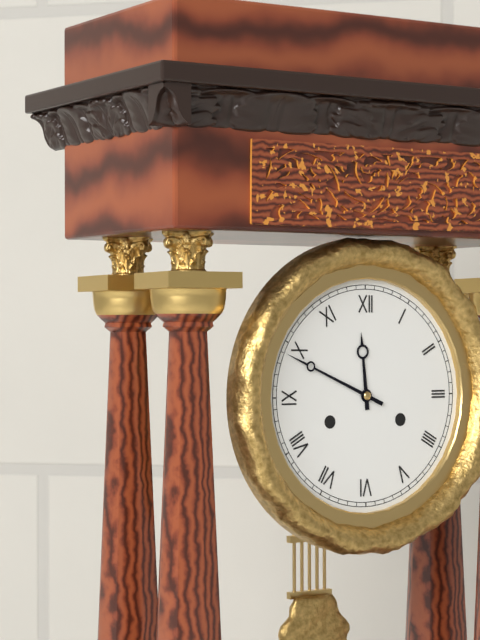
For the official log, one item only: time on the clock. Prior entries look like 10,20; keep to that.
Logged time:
11,49
